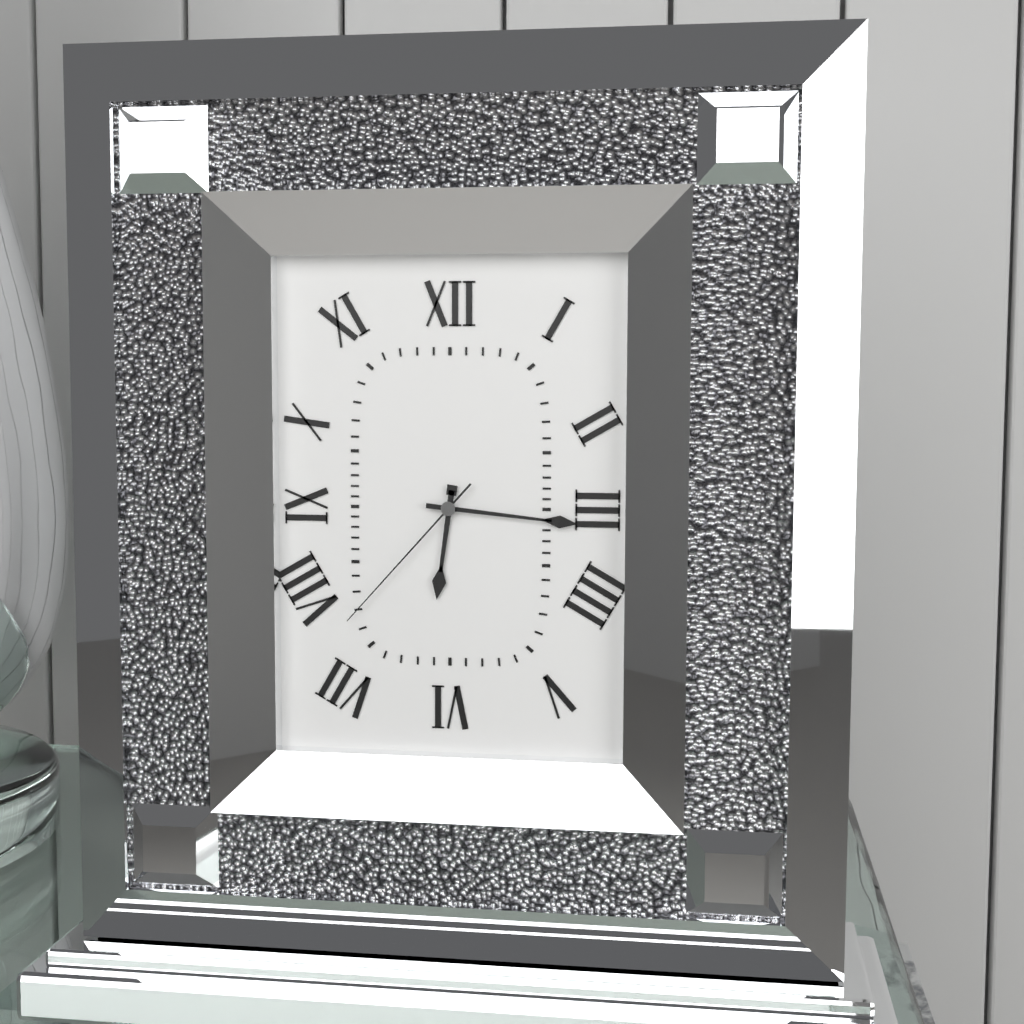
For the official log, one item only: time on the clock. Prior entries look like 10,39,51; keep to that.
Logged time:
6,16,37
